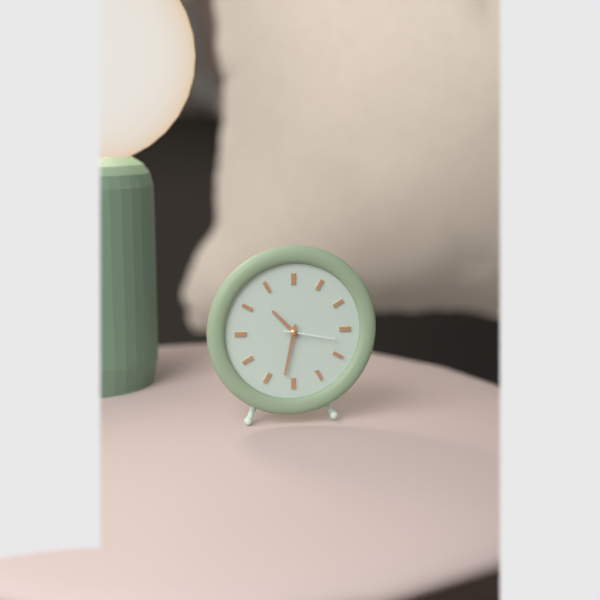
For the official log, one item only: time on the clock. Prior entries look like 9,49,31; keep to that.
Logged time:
10,32,17
